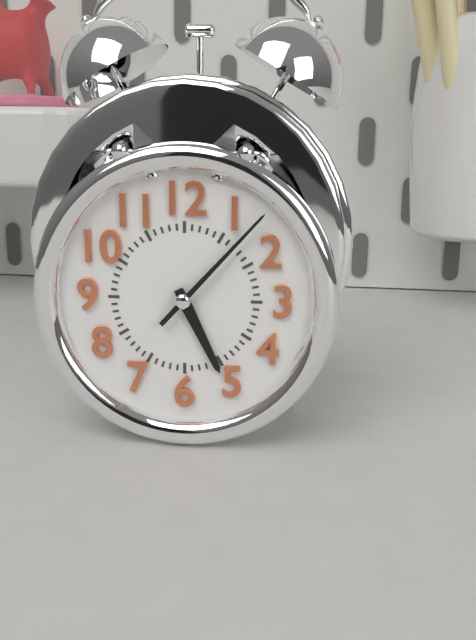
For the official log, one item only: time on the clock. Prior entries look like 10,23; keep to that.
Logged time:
5,07
